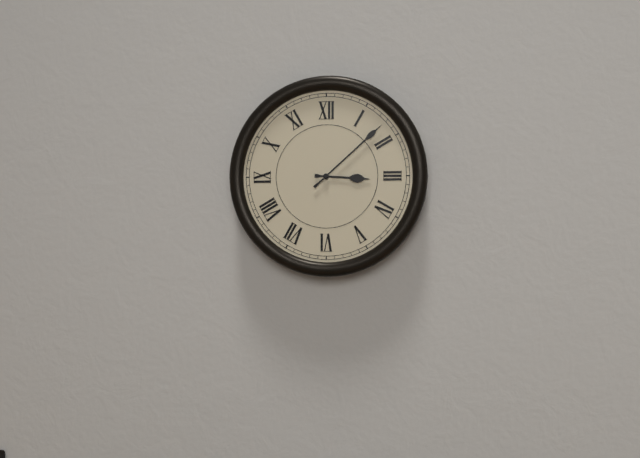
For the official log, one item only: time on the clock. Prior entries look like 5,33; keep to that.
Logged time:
3,08
